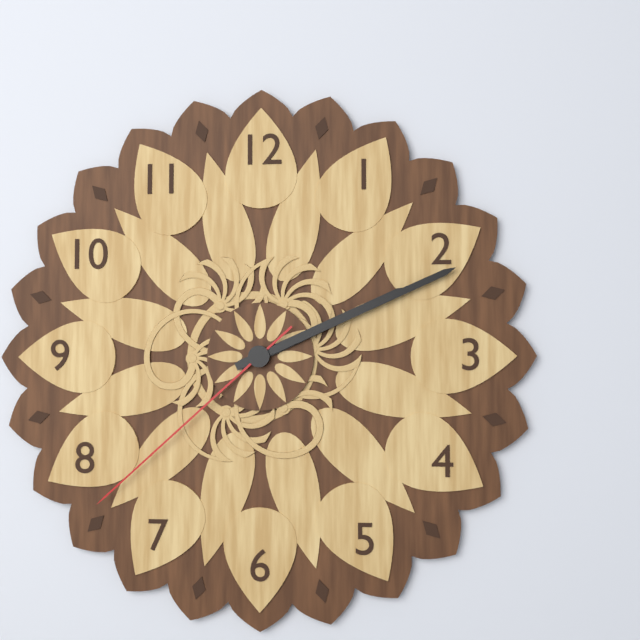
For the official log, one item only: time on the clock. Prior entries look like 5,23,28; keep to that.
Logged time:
2,11,38
